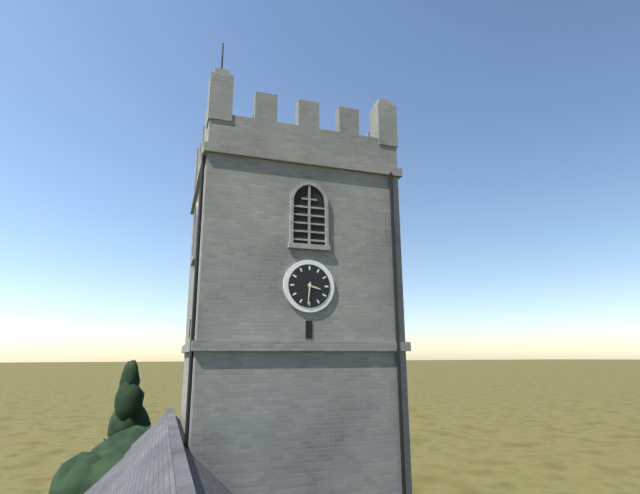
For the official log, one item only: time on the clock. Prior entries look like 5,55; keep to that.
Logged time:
3,31
